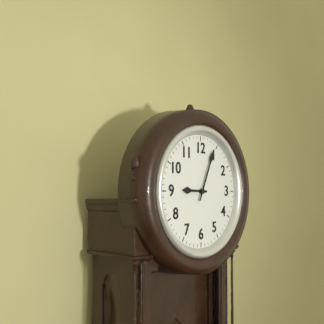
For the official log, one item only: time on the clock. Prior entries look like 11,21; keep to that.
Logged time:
9,04
